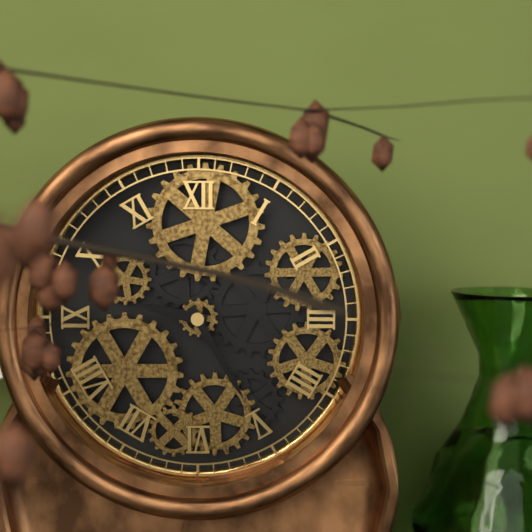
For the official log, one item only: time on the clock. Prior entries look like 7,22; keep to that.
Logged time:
9,25
